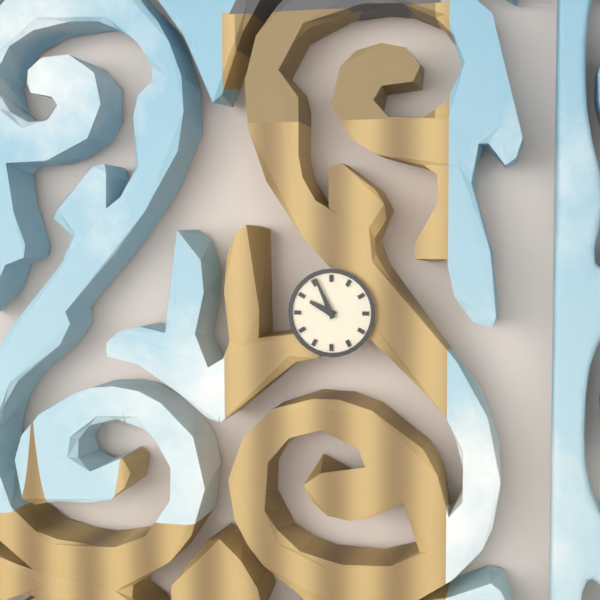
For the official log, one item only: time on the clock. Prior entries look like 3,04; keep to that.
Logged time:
9,56
